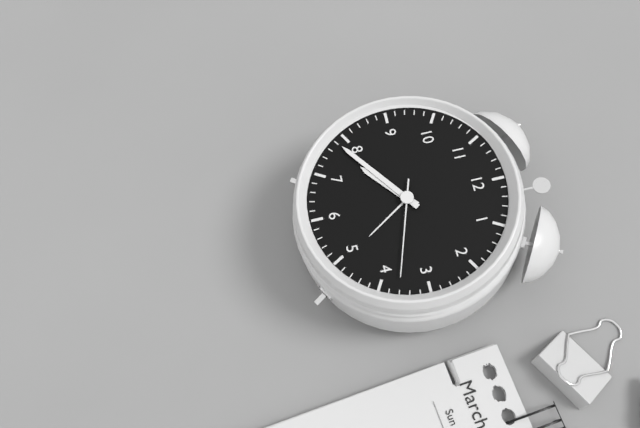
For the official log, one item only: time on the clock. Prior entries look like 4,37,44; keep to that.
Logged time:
7,39,18
